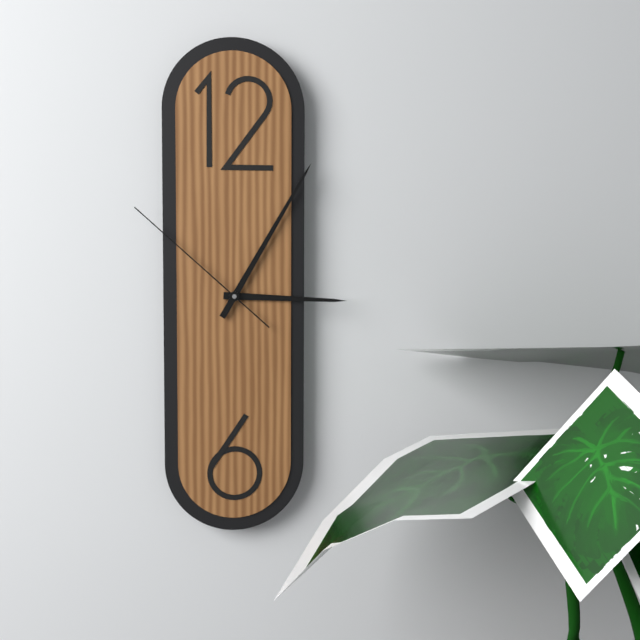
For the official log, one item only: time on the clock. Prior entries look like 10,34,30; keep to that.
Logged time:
3,05,52
